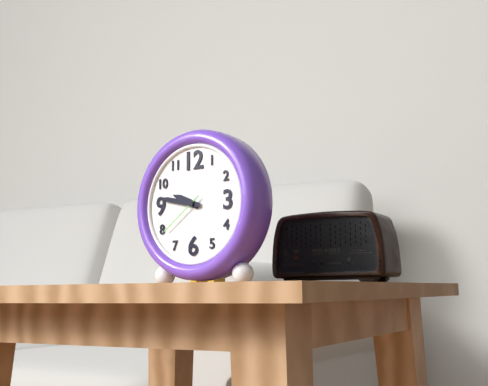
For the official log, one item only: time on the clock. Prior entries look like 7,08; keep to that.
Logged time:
9,47
